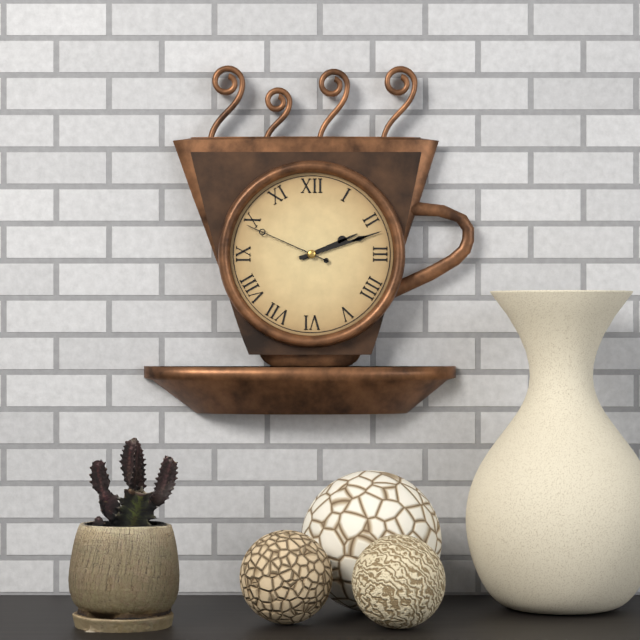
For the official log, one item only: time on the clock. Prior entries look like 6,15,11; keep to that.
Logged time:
2,12,49
